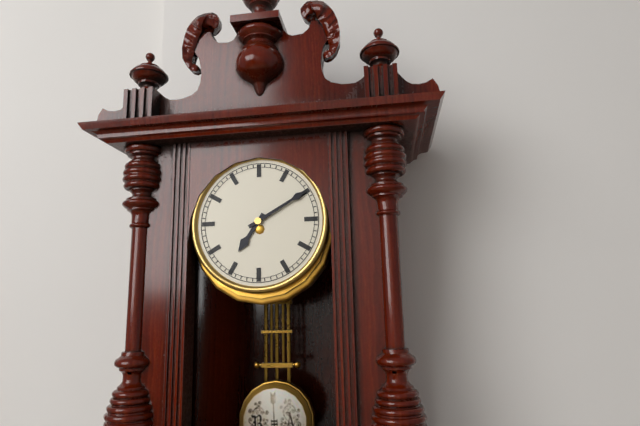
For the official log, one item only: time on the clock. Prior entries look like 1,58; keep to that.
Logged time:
7,10
